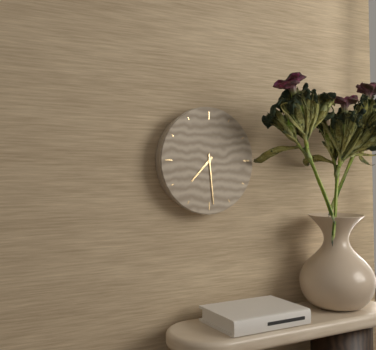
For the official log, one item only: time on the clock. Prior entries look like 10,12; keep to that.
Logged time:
7,29
